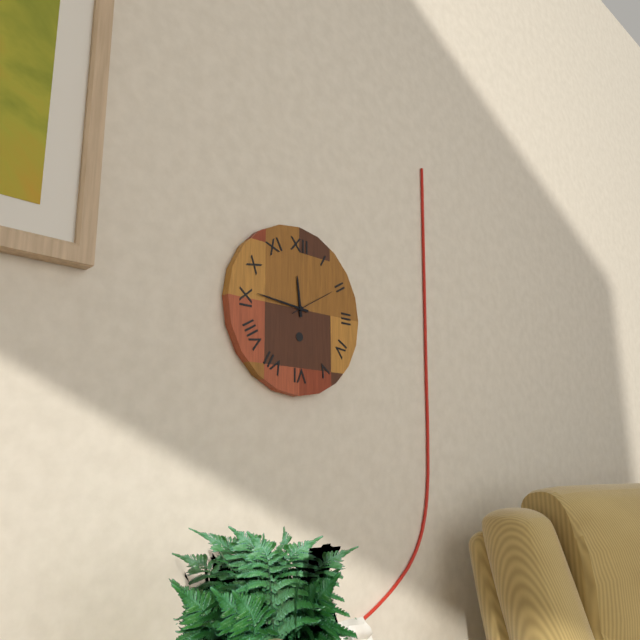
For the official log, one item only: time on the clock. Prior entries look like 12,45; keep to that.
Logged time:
11,46
